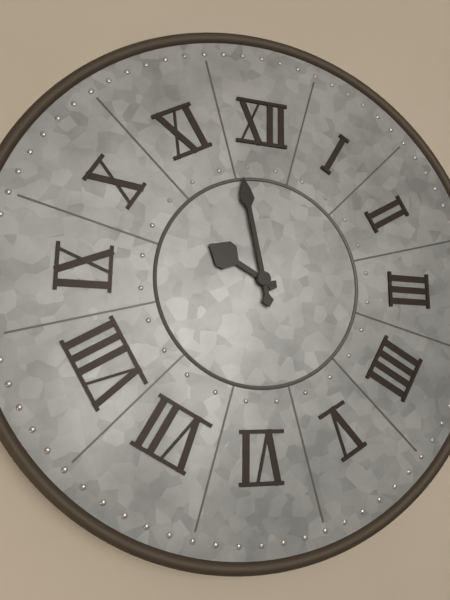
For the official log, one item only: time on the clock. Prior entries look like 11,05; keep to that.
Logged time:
9,58
